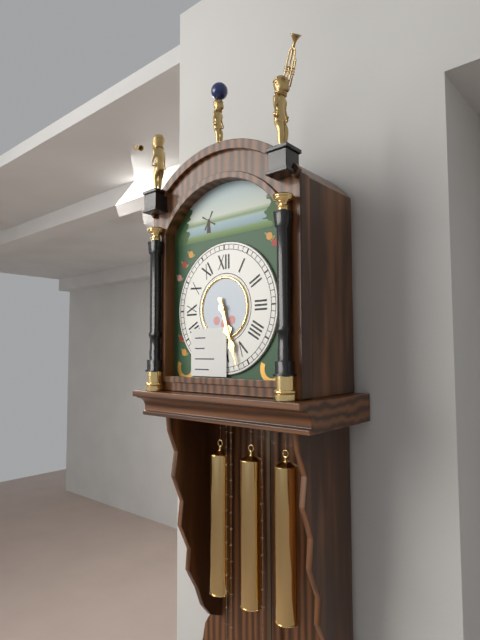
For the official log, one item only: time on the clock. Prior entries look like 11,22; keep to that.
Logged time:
5,27
